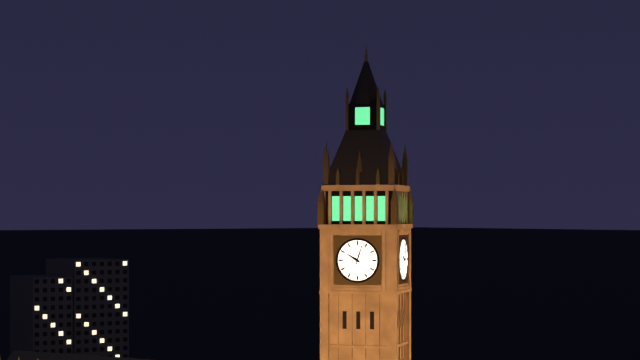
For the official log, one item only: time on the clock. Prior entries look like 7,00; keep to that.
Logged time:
10,03
